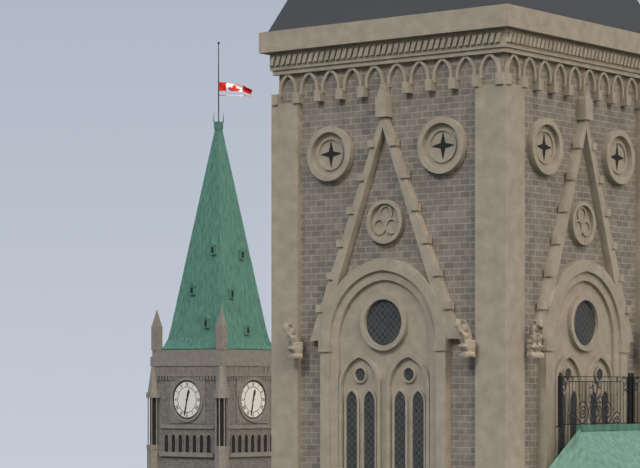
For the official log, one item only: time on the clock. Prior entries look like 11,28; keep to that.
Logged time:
12,32
